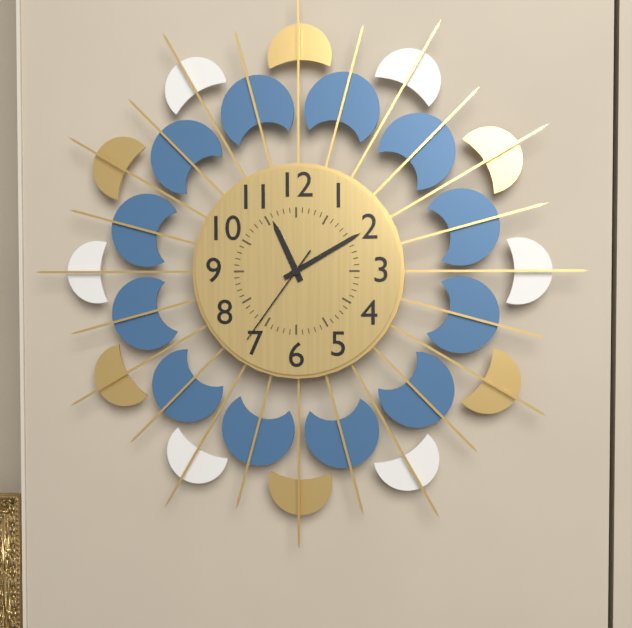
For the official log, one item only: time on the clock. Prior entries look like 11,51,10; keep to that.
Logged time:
11,10,36
